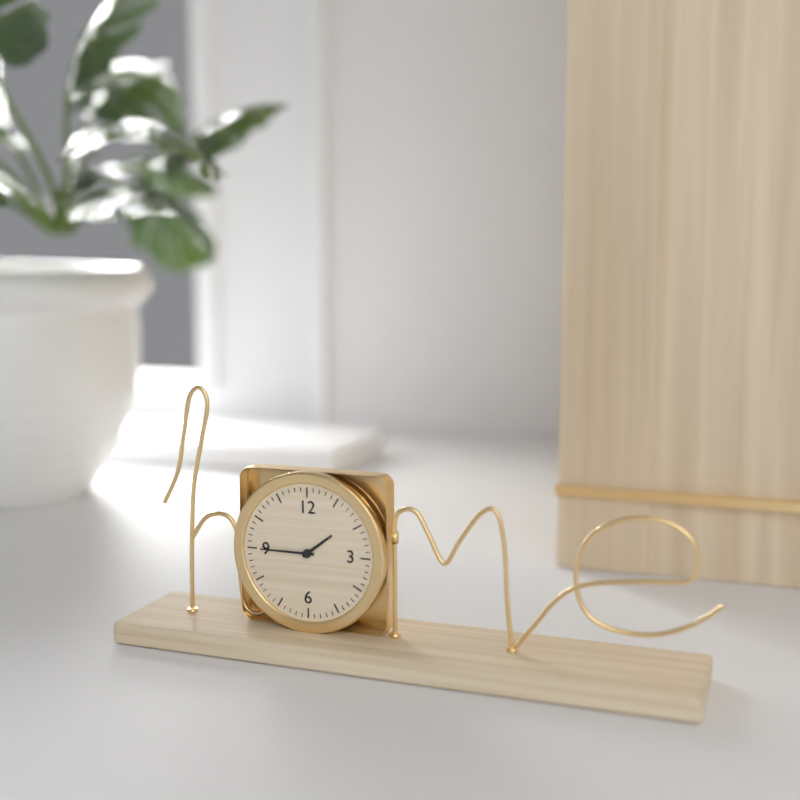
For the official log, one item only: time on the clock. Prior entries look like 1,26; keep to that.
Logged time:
1,45
